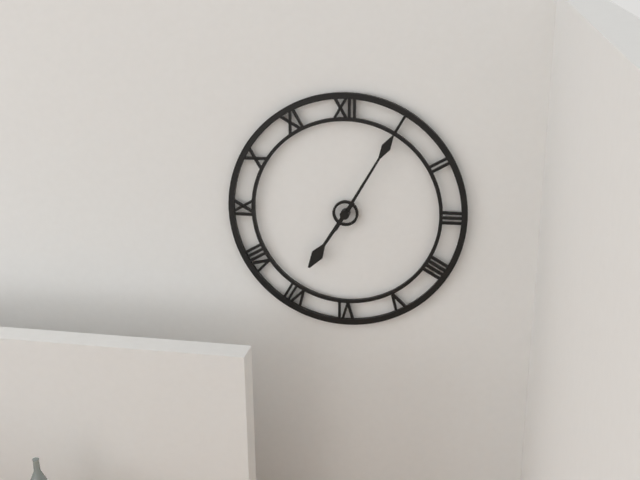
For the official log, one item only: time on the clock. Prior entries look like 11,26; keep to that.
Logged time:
7,05
